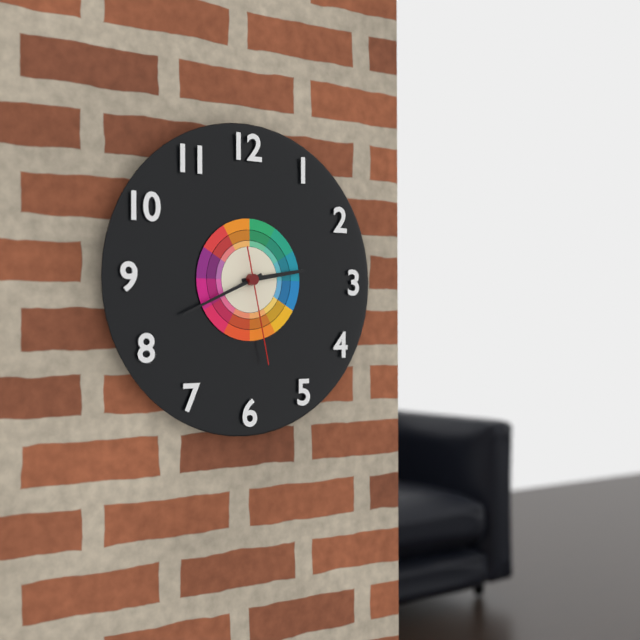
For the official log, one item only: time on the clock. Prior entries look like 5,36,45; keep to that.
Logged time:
2,41,28
